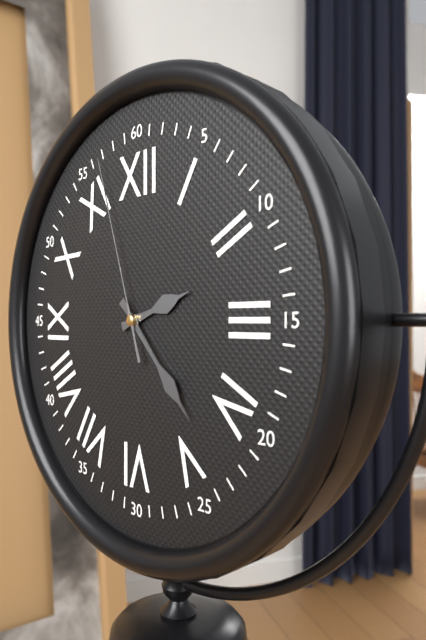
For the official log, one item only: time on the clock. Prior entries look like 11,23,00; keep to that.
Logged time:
2,23,57
